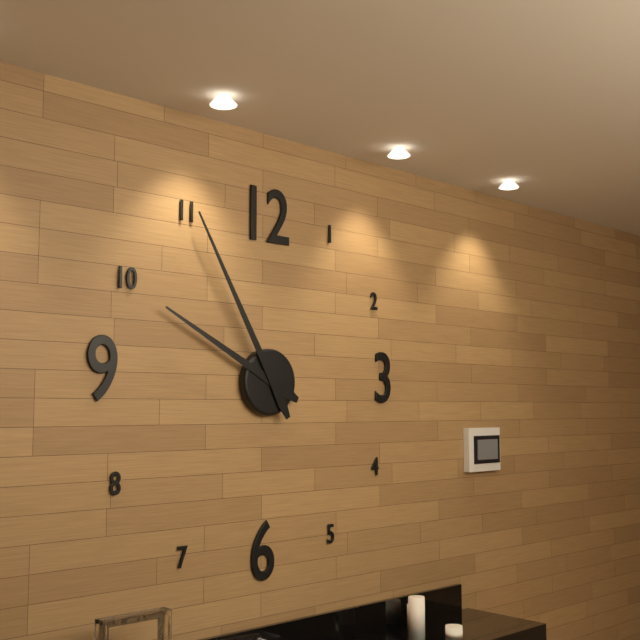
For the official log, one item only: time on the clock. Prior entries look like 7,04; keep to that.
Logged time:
9,55
